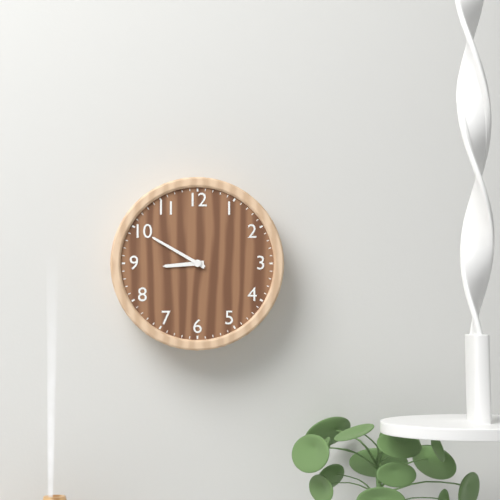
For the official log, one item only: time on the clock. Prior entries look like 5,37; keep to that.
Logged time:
8,50
